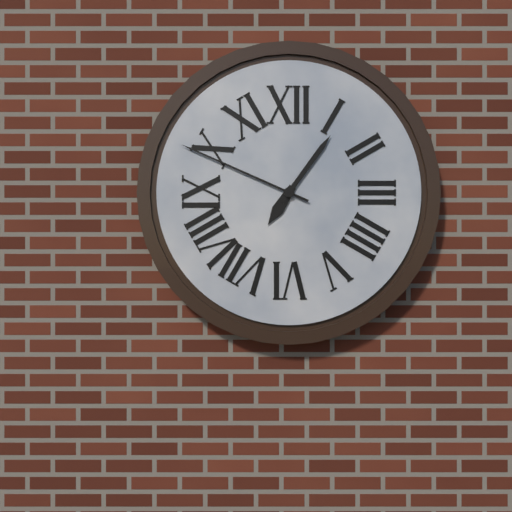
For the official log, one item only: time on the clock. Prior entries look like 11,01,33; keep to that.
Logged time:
7,06,49
